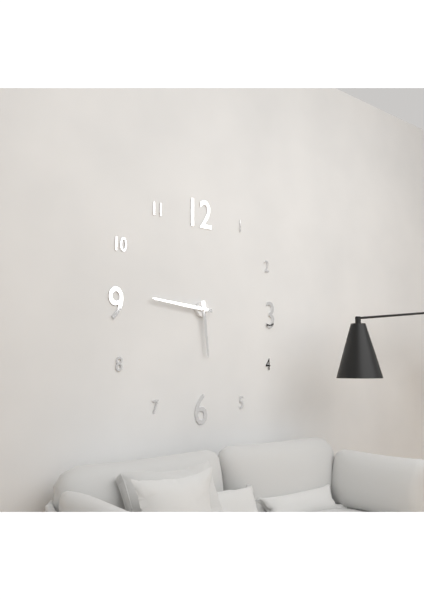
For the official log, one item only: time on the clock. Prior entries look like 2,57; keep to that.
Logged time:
5,46
